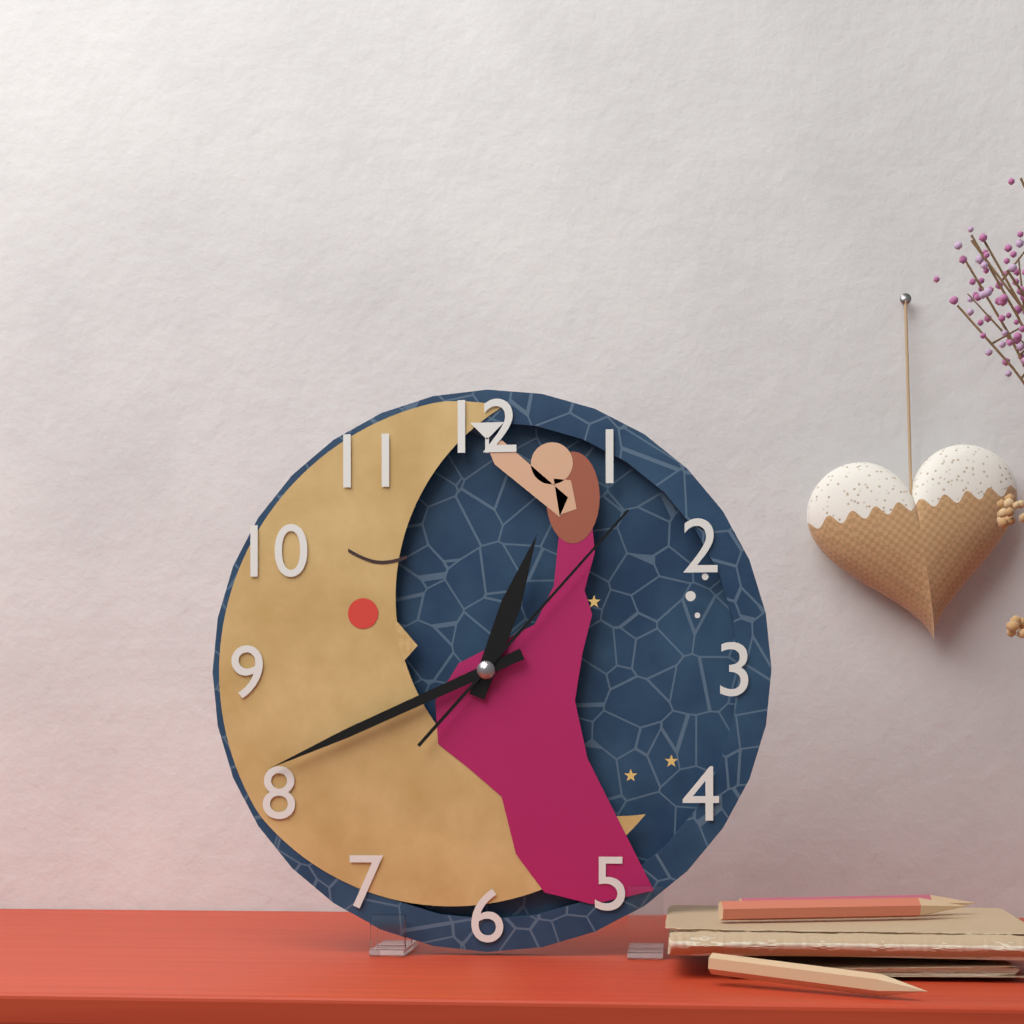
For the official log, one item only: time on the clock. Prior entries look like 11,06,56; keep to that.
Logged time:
12,41,07
